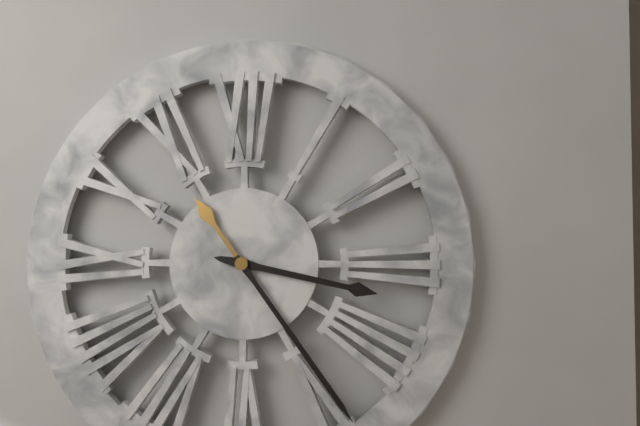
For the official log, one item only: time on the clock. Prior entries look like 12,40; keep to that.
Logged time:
3,24
